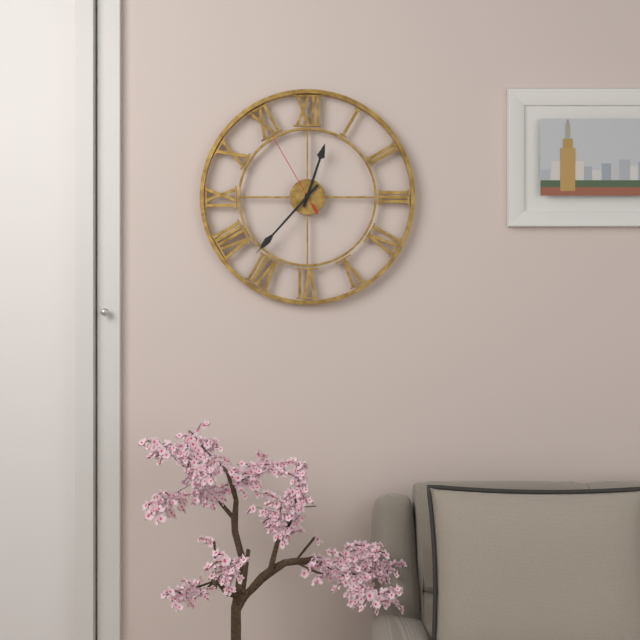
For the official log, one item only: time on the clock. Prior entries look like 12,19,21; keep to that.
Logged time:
12,37,55
